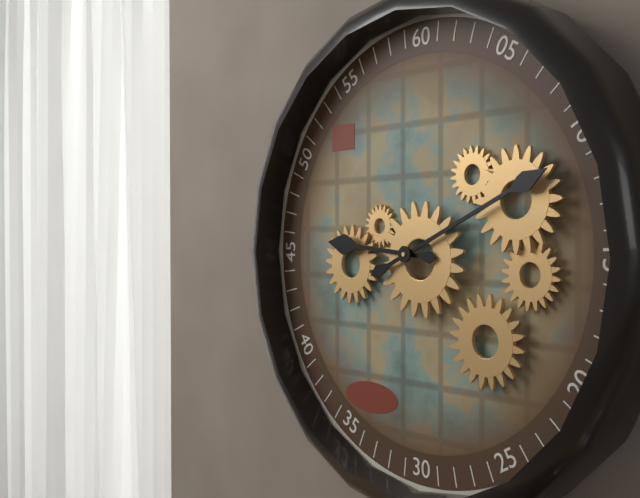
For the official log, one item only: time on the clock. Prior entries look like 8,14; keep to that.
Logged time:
9,11
